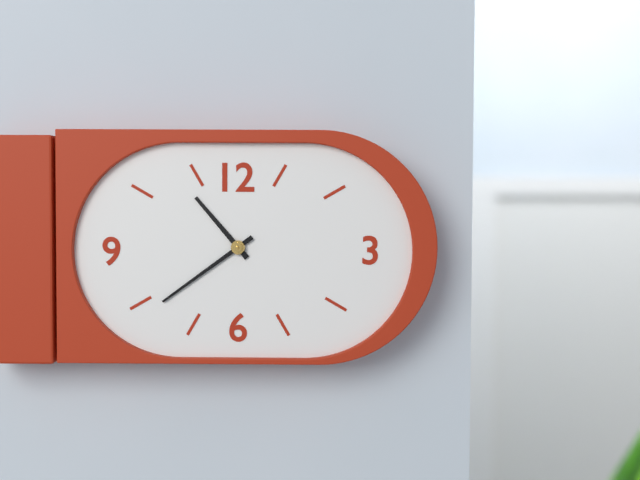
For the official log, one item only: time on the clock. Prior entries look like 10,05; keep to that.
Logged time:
10,39
